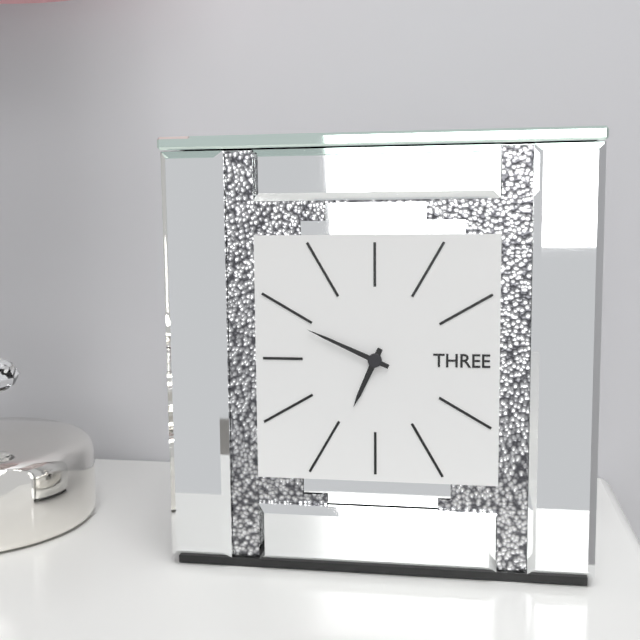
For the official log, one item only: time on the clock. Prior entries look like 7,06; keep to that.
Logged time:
6,49
